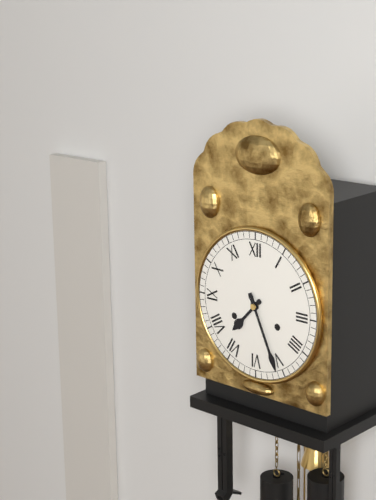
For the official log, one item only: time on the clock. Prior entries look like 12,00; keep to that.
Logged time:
7,26
